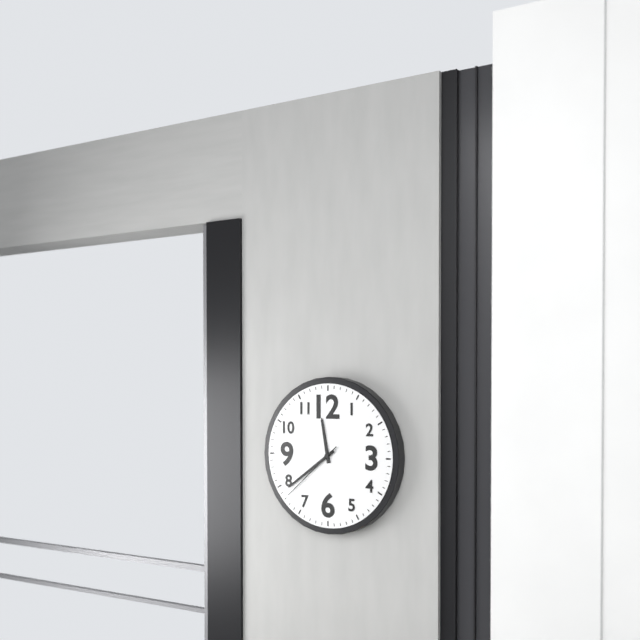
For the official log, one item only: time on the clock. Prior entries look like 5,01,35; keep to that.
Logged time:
11,39,38
